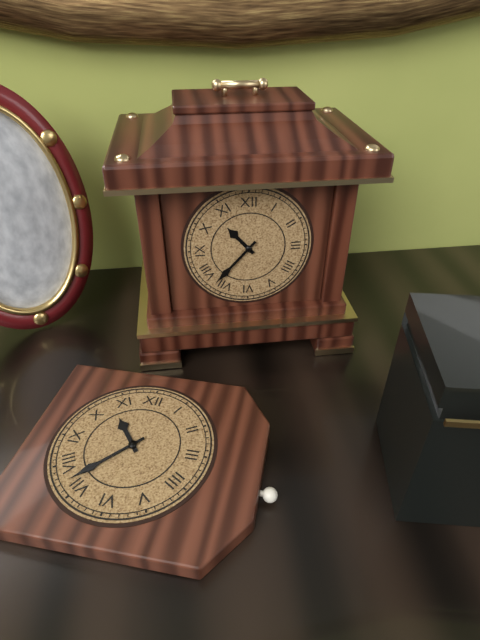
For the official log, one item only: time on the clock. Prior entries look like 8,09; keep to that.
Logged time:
10,37
